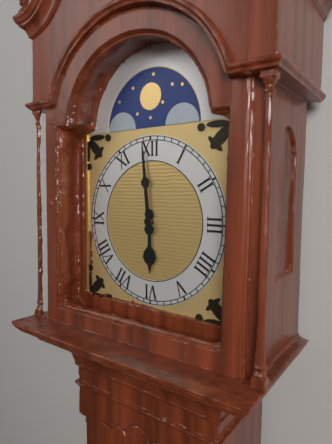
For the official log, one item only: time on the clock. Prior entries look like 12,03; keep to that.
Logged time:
5,59
